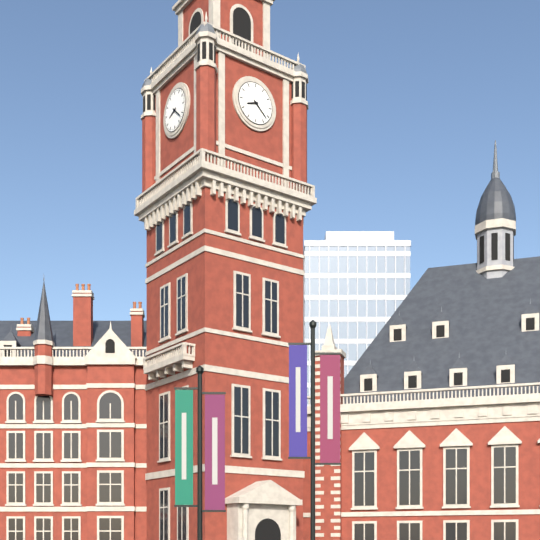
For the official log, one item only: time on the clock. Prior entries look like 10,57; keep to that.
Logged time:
8,22
